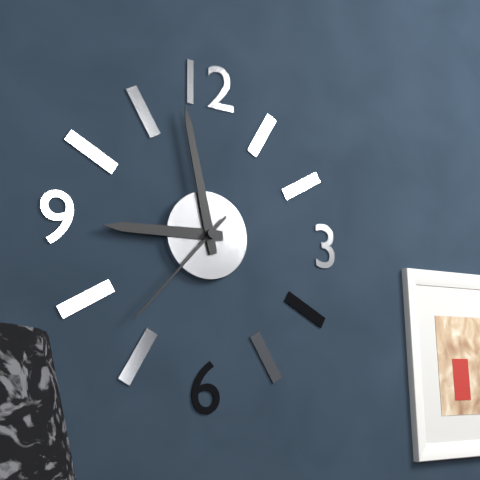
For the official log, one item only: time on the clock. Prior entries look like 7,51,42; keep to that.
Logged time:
8,58,37
